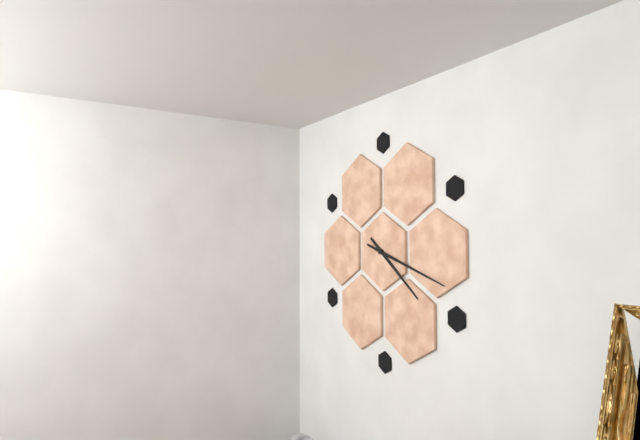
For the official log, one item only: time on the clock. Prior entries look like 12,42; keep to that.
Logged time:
4,18
